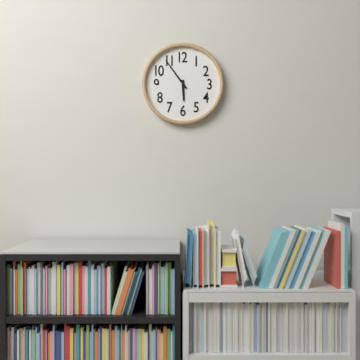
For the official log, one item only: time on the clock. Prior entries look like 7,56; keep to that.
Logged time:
5,54
